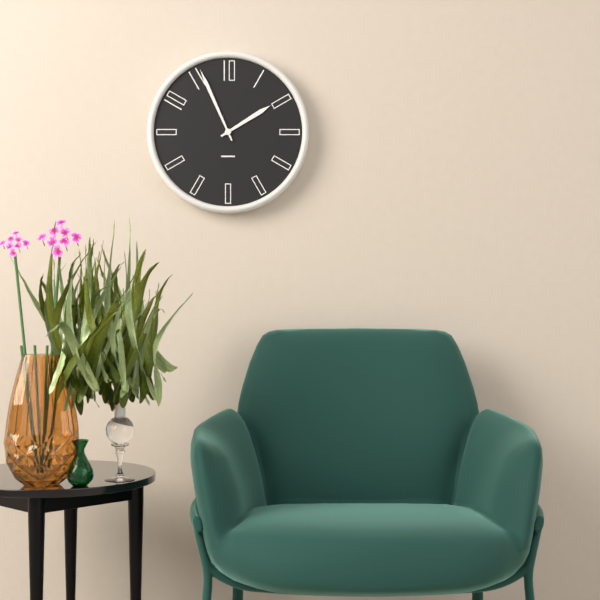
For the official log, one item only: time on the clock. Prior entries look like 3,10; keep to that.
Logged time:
1,56
